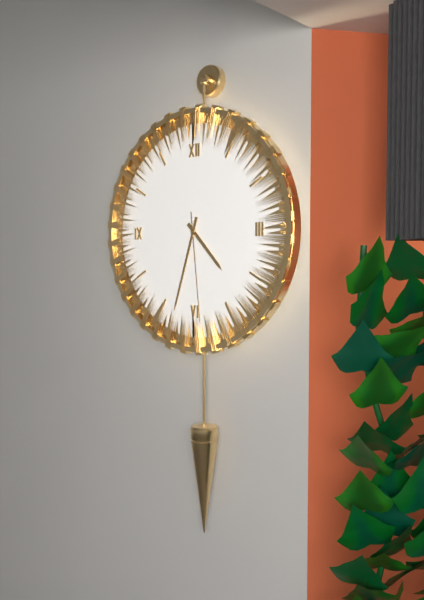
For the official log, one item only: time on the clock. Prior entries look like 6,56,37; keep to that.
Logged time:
4,33,29
